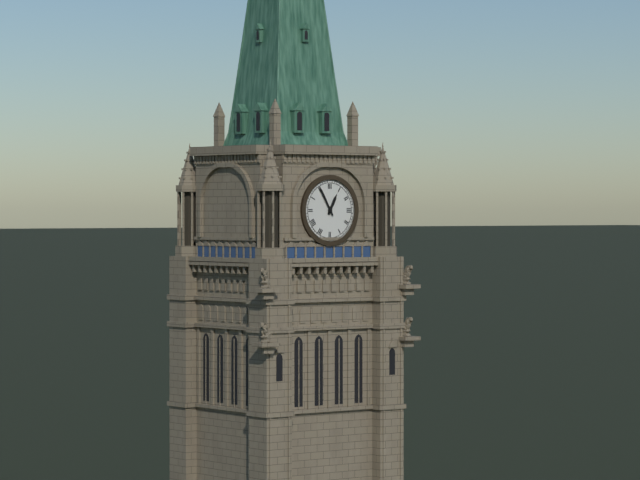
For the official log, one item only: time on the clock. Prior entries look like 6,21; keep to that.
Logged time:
12,55
